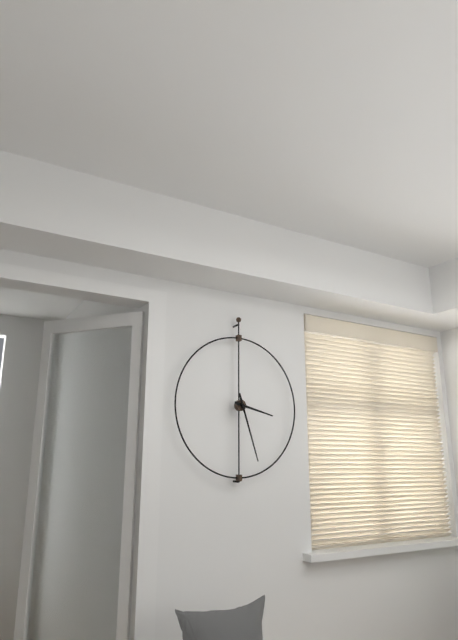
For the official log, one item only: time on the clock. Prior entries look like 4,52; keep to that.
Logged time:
3,27
